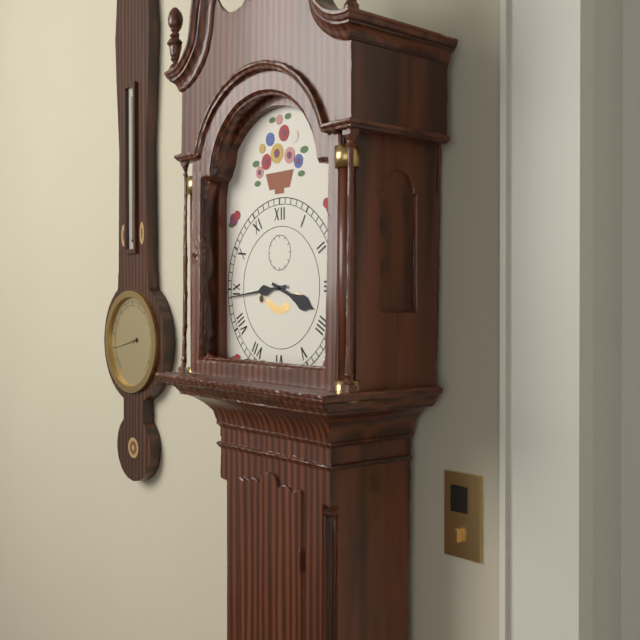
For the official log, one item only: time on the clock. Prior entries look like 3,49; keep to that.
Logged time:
3,44
